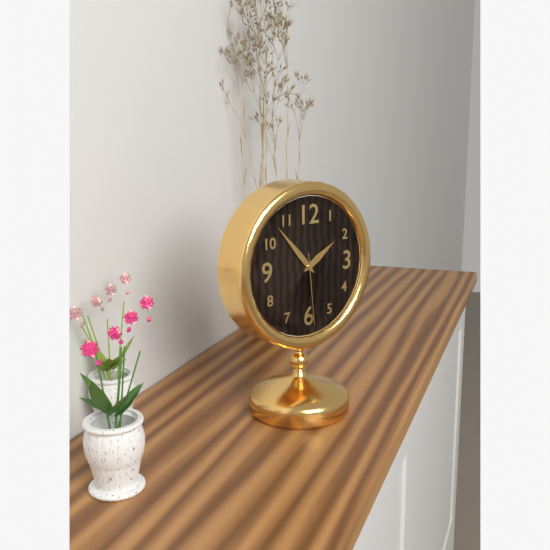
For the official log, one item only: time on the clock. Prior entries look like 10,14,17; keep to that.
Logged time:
1,53,29
